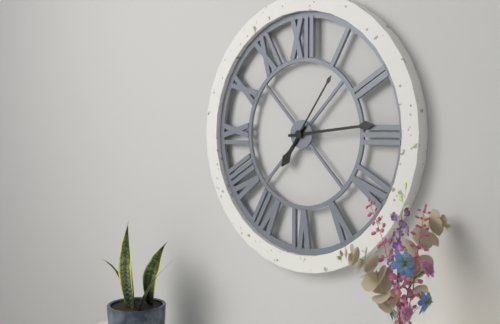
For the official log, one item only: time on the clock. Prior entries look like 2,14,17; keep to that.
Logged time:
7,14,06
